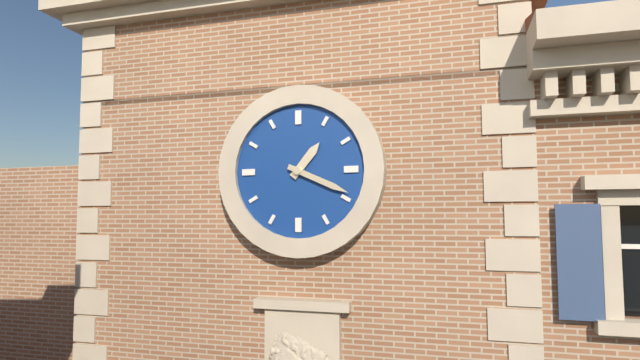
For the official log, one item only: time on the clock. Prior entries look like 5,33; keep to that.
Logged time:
1,19
